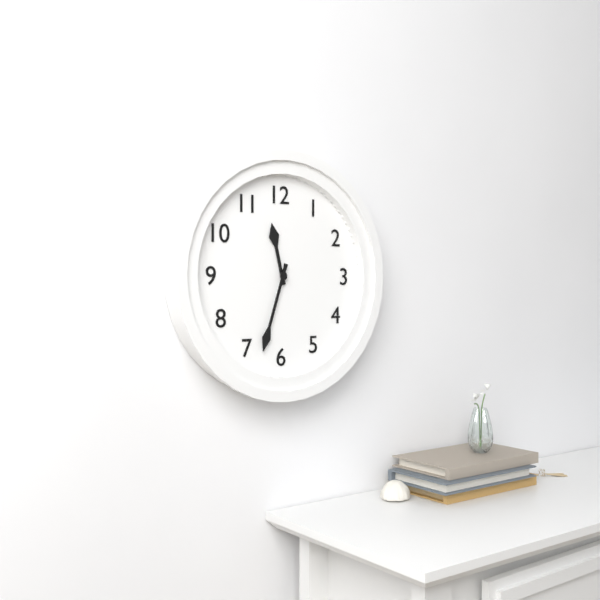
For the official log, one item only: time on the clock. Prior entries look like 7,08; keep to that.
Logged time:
11,33
